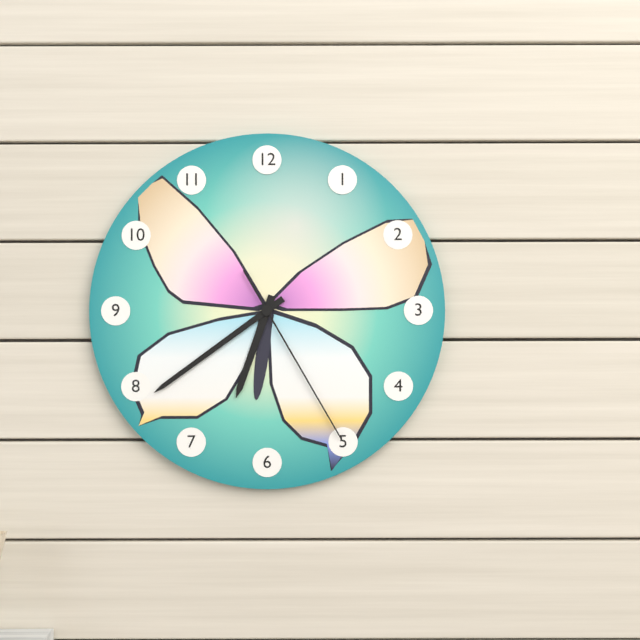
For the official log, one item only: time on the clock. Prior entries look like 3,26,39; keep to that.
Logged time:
6,39,25
